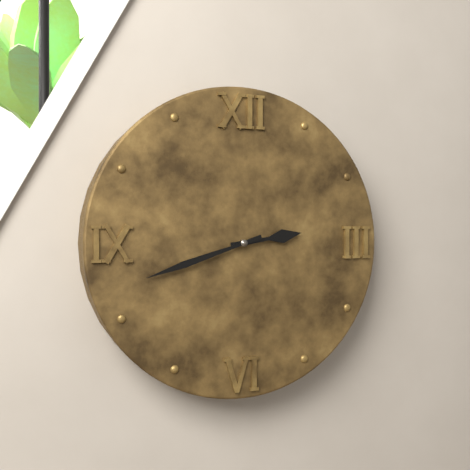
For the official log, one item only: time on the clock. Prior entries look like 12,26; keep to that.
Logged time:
2,42
